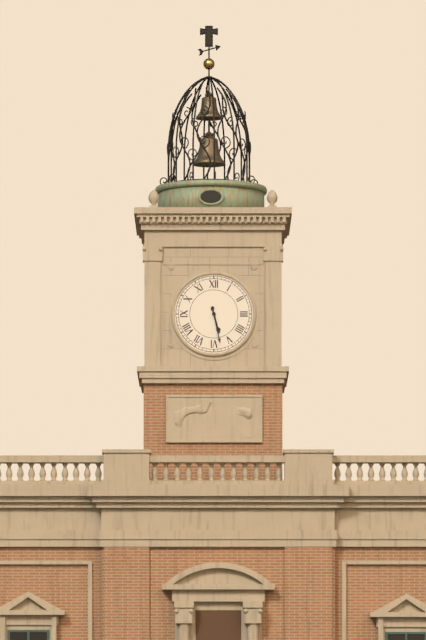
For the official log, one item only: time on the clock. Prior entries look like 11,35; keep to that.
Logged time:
5,28
